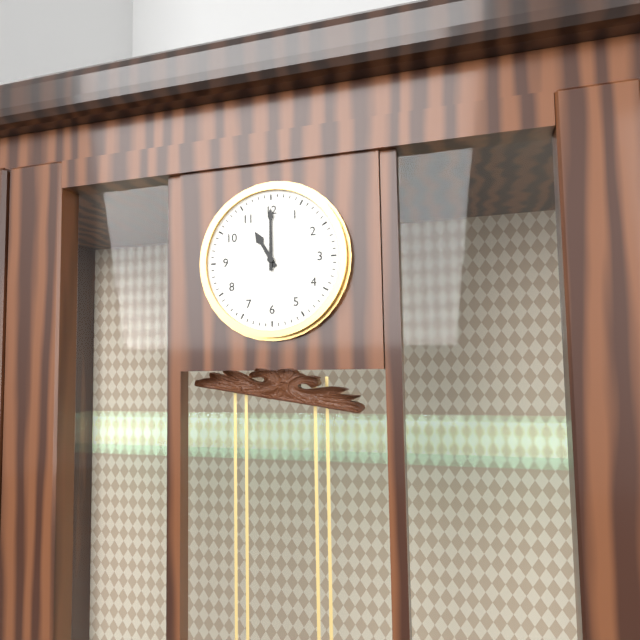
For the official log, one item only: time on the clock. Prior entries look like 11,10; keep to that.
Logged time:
11,00
